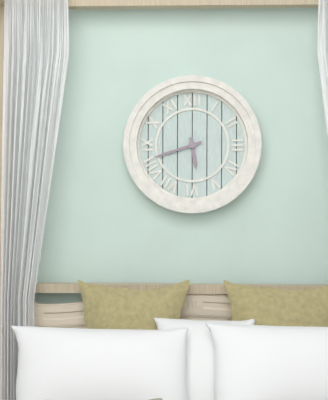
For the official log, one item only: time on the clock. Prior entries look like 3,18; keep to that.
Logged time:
5,42
